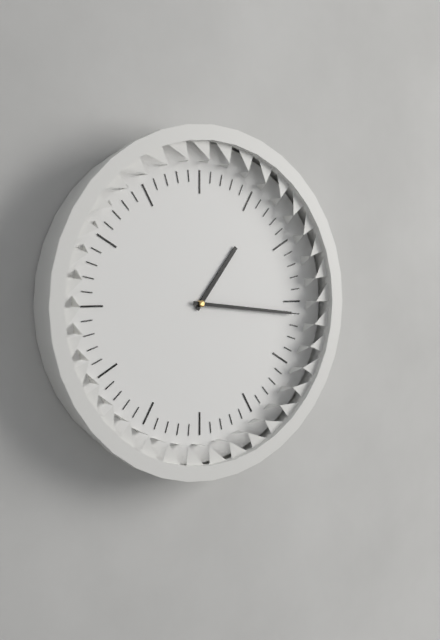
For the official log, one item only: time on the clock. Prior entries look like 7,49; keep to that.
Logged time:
1,16
